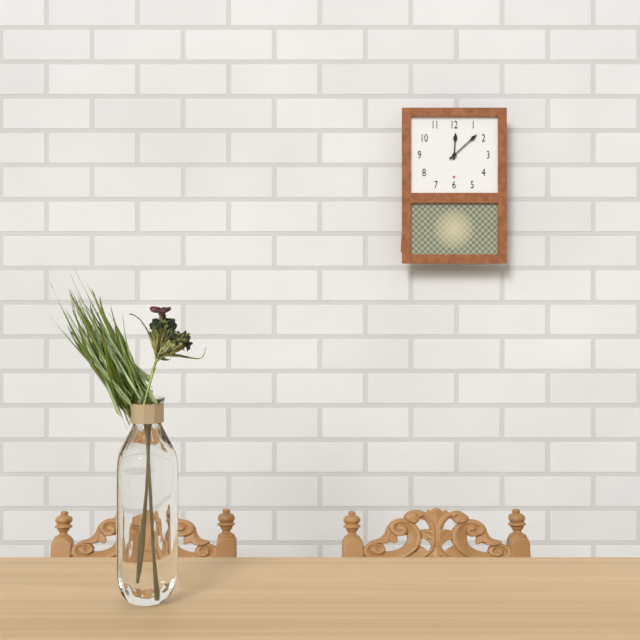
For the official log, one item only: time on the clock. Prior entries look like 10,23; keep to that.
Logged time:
12,08
